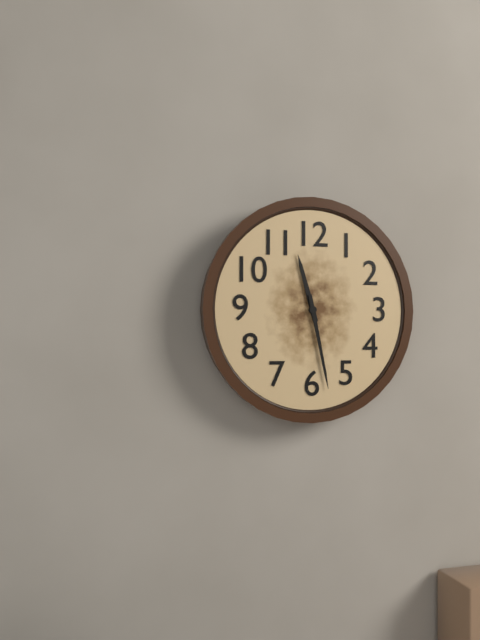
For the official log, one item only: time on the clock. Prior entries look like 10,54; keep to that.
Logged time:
11,28
